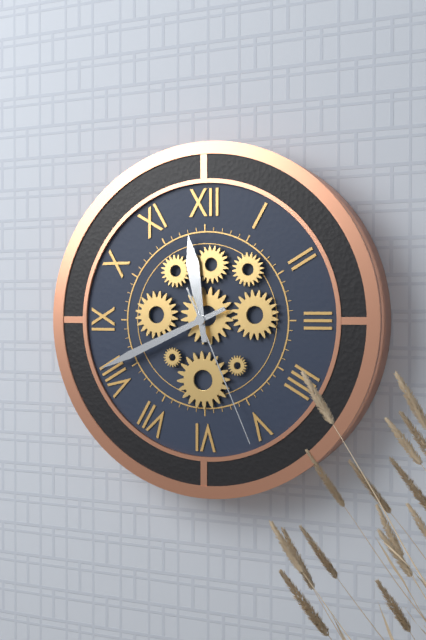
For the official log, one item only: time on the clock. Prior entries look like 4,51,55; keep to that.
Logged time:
11,41,26
